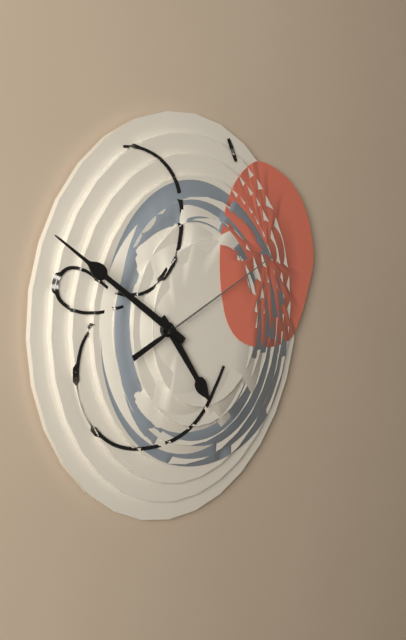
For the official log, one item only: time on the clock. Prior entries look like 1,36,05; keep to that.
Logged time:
4,51,11
